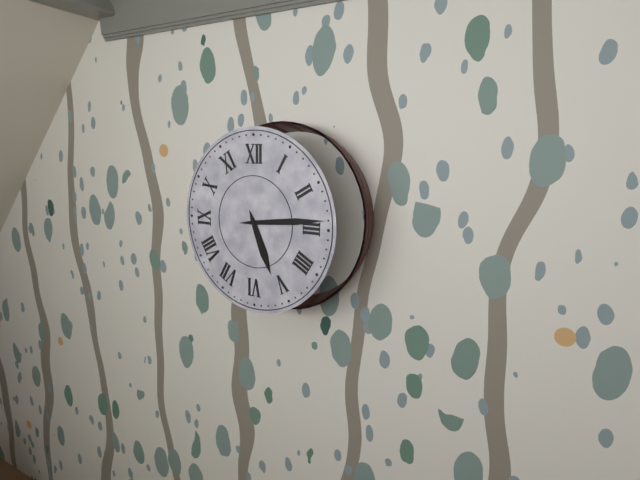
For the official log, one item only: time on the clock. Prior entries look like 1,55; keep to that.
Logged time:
5,14
